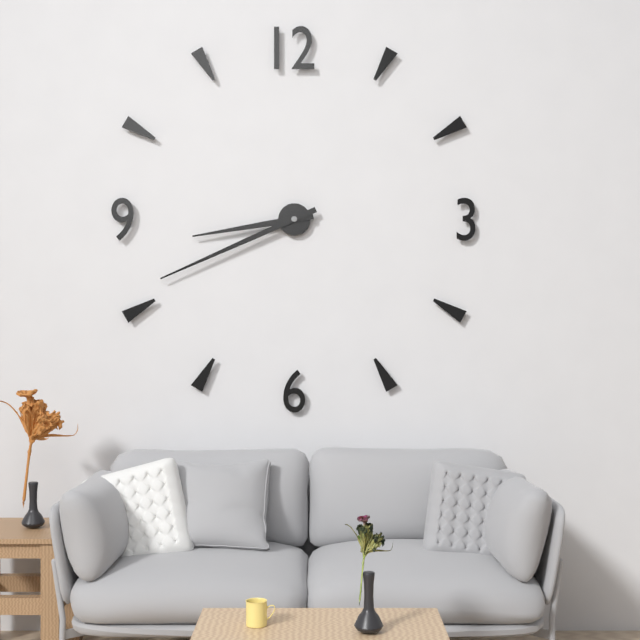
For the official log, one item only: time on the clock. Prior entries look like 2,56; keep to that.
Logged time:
8,41
